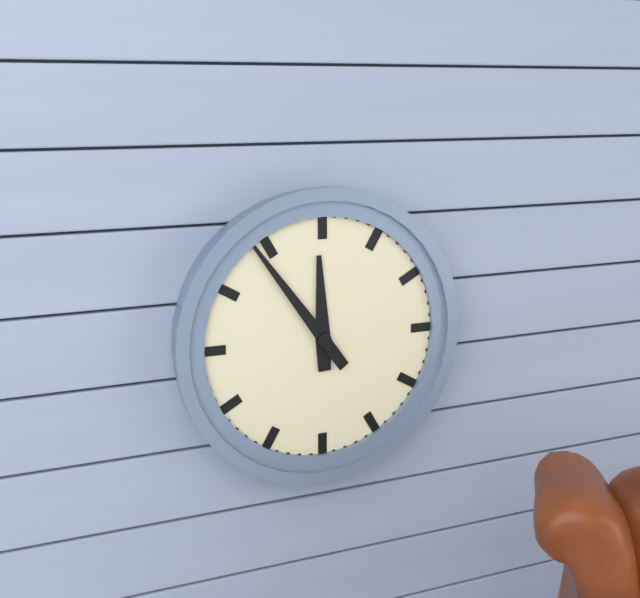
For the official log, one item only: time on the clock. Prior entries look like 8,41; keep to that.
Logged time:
11,54
